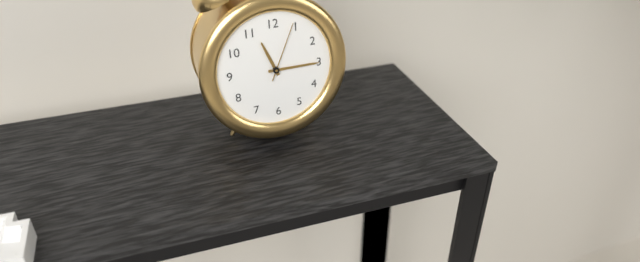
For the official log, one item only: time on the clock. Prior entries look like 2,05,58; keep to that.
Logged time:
11,15,04
